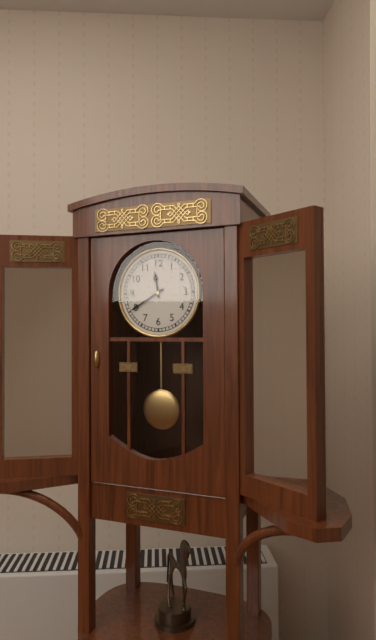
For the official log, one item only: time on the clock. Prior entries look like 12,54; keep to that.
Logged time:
11,40
